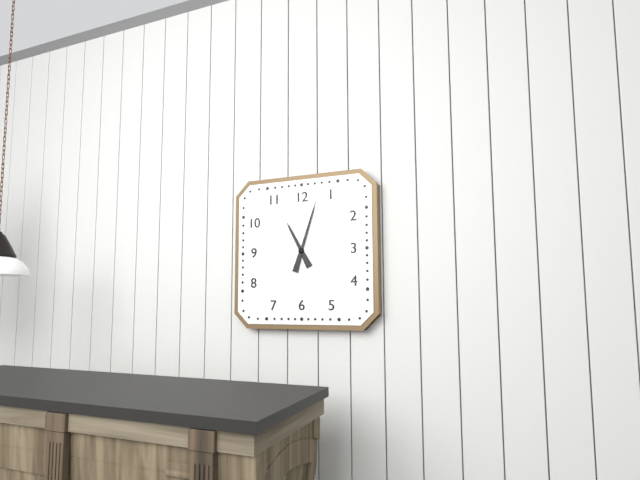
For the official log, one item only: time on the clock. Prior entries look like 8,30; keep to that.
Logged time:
11,03
